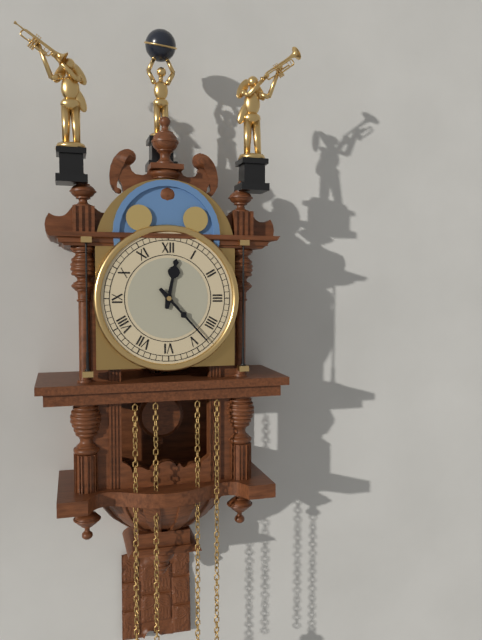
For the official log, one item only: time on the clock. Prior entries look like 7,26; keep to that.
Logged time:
12,23
